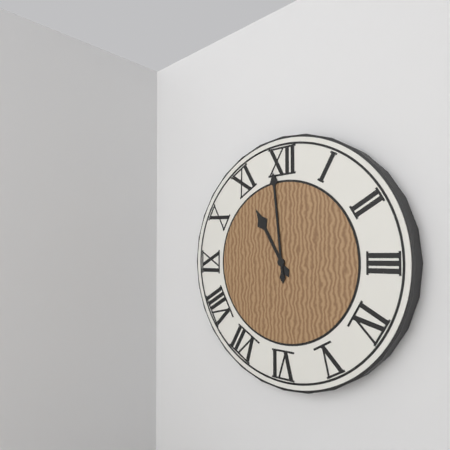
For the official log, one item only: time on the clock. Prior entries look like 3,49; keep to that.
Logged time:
10,59
